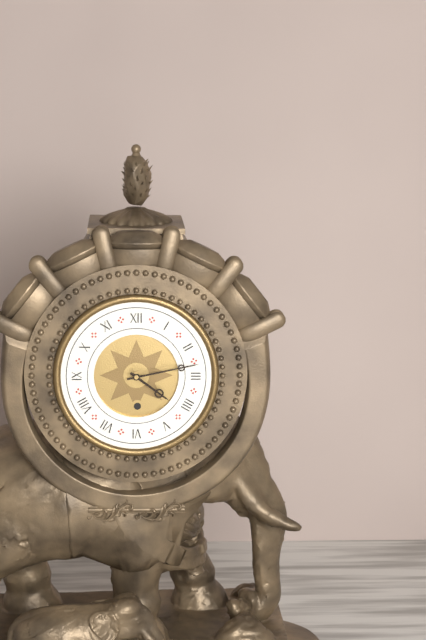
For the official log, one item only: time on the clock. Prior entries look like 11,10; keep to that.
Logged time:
4,13
